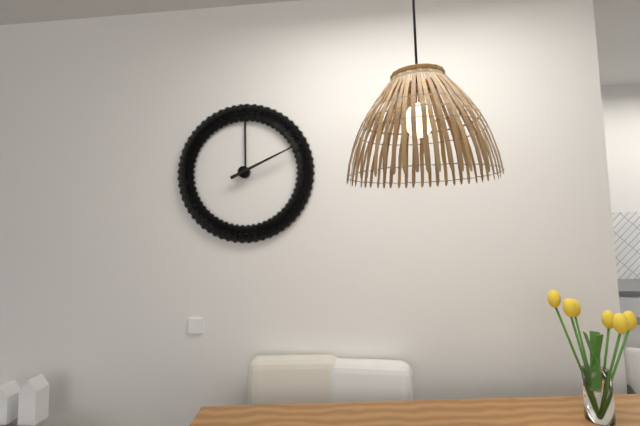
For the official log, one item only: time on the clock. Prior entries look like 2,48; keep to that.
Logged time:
2,11
